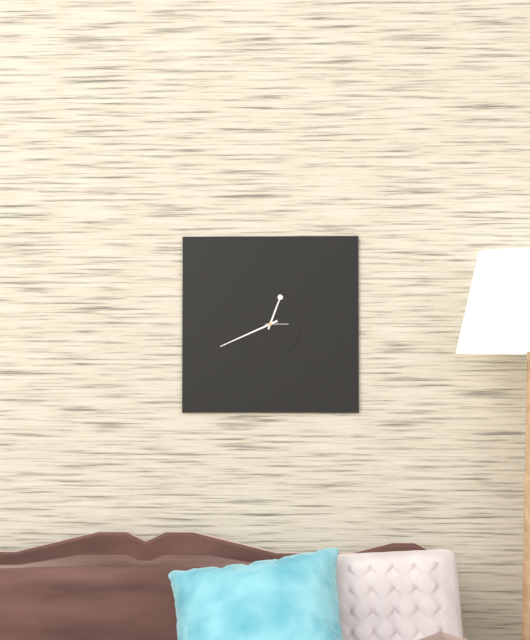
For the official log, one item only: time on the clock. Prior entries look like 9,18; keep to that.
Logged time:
12,41
